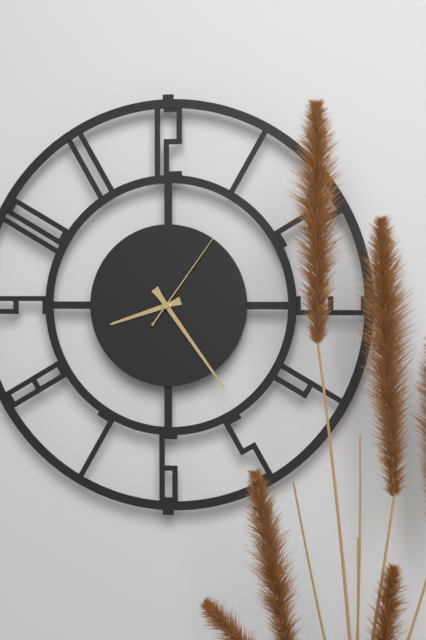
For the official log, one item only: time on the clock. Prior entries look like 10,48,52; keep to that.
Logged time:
8,24,06
